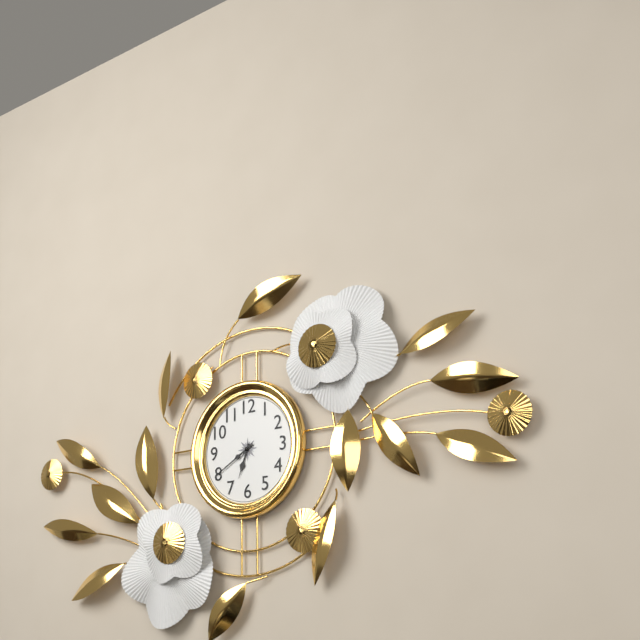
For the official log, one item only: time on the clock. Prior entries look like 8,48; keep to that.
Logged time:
6,40
